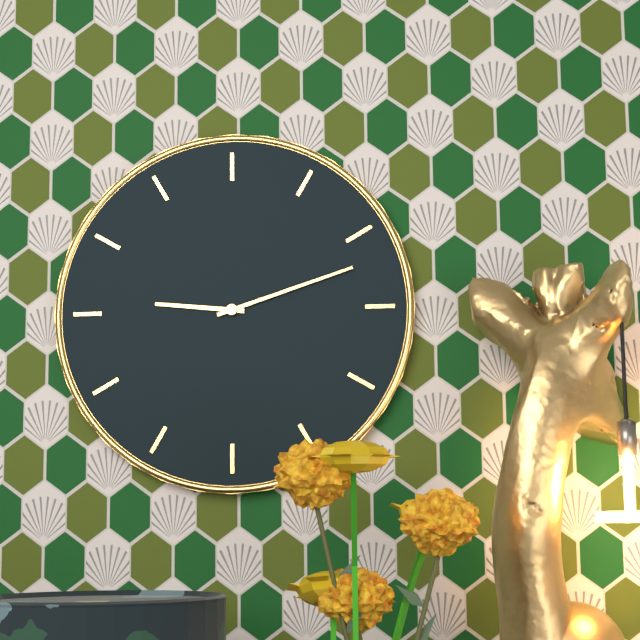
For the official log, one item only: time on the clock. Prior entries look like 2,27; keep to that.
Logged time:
9,12
